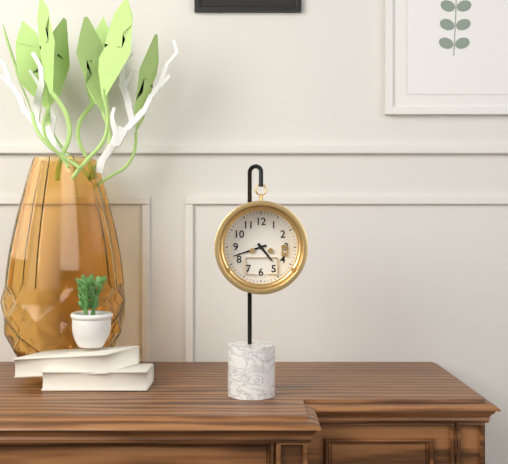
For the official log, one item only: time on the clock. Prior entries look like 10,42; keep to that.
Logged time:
4,42
